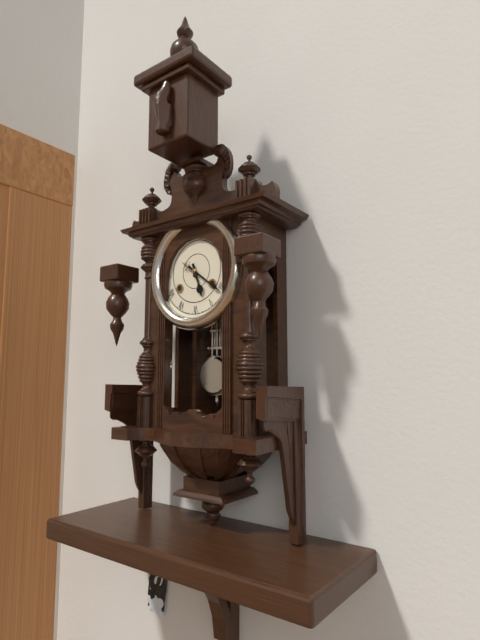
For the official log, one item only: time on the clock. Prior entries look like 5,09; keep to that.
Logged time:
5,21
